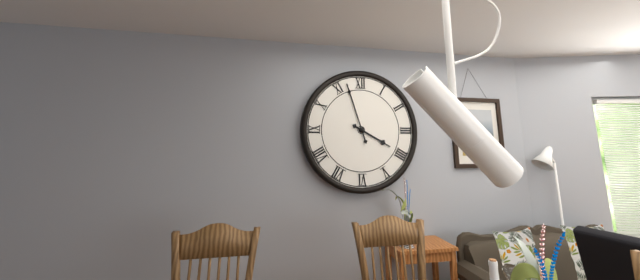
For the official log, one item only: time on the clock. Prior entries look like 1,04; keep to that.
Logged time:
3,57
